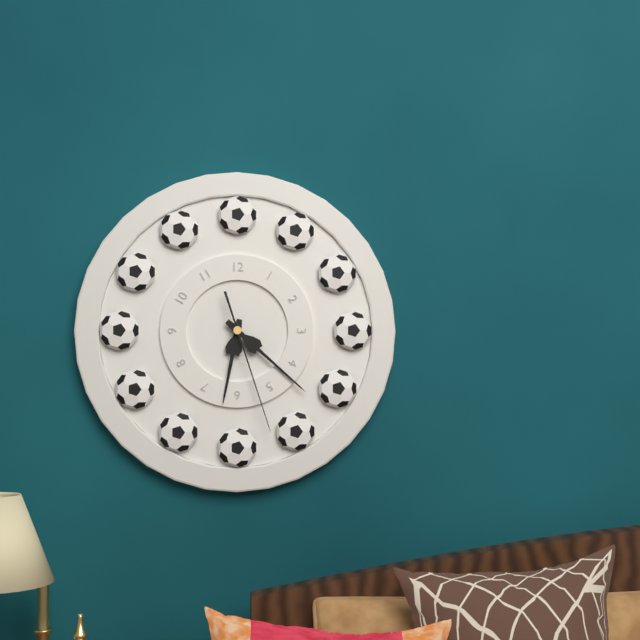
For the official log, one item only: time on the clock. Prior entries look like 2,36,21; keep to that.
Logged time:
6,22,27
